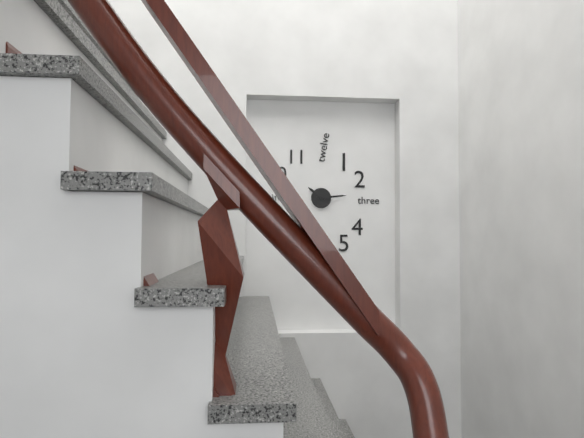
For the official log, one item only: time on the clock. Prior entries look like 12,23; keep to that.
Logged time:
10,14
